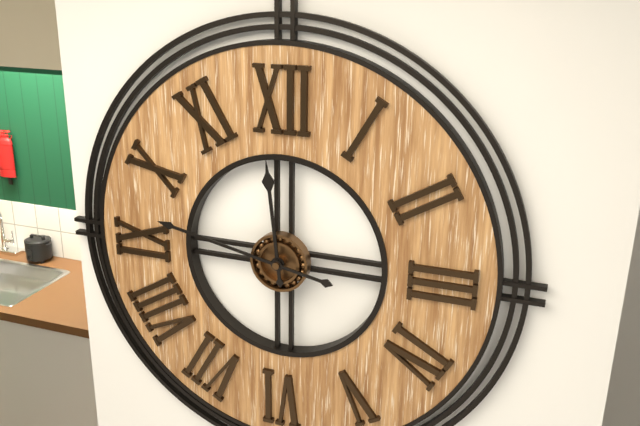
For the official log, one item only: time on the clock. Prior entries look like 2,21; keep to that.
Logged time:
11,47
